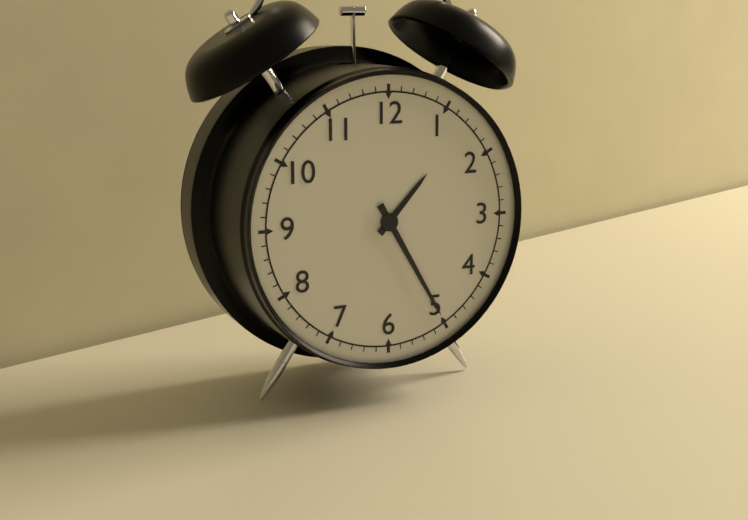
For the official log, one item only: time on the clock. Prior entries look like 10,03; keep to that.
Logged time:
1,25
